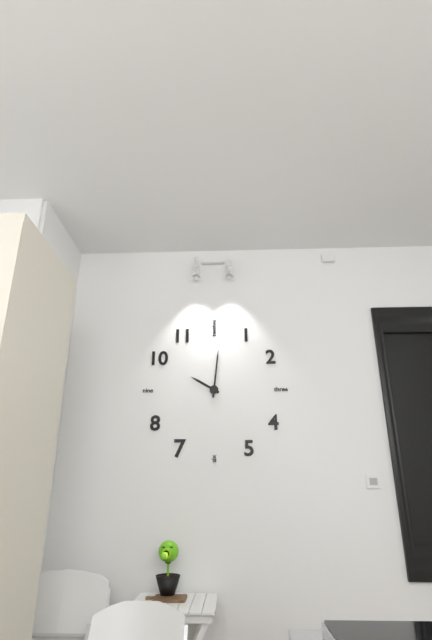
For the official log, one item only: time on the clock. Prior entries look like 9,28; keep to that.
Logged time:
10,01
